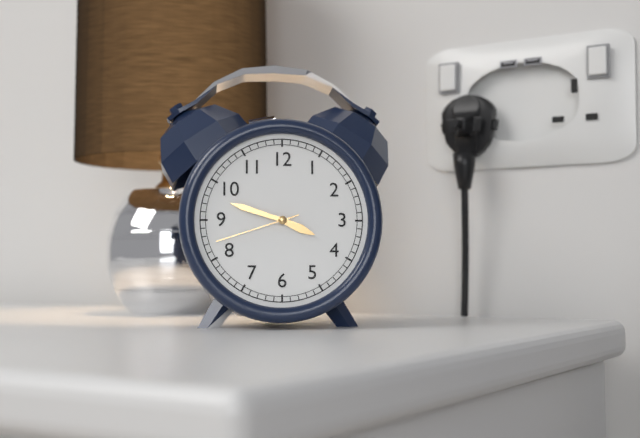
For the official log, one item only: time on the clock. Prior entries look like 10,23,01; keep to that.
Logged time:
3,48,42
